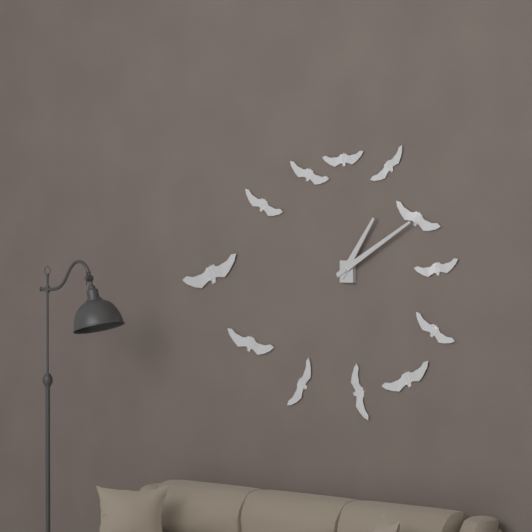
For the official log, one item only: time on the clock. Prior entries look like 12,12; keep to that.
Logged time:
1,10
